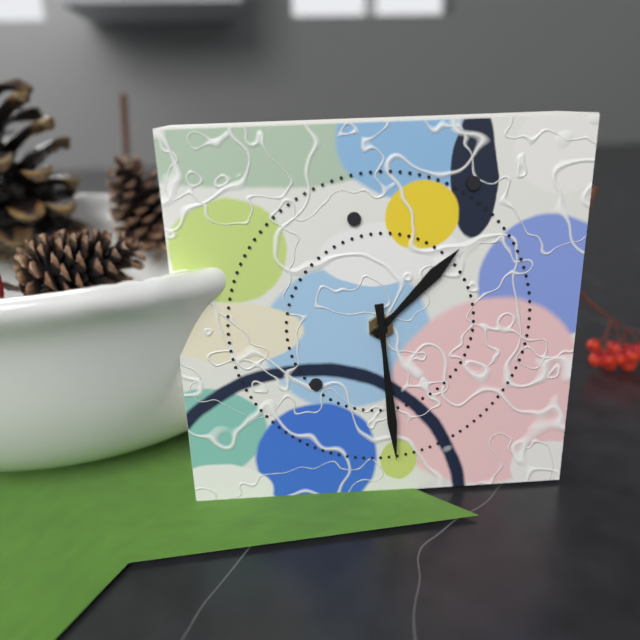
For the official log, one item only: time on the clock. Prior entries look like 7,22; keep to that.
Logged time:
1,29
